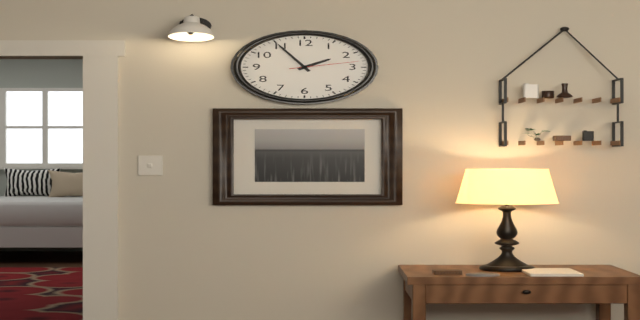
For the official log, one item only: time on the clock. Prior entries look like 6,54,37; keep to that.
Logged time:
1,55,13
